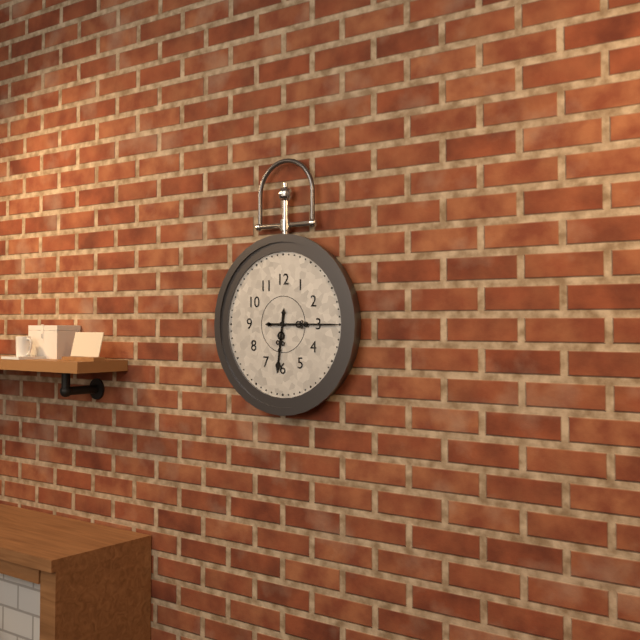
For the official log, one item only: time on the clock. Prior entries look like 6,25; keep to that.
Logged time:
6,15
